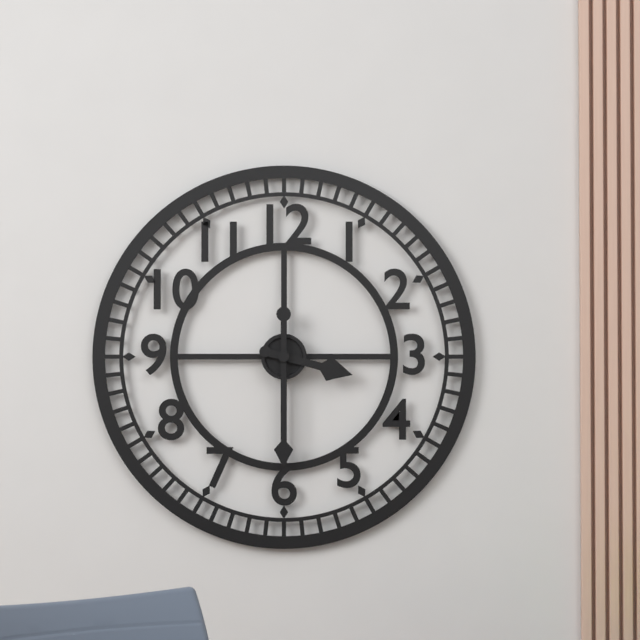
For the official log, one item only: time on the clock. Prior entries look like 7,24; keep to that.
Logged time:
3,30
